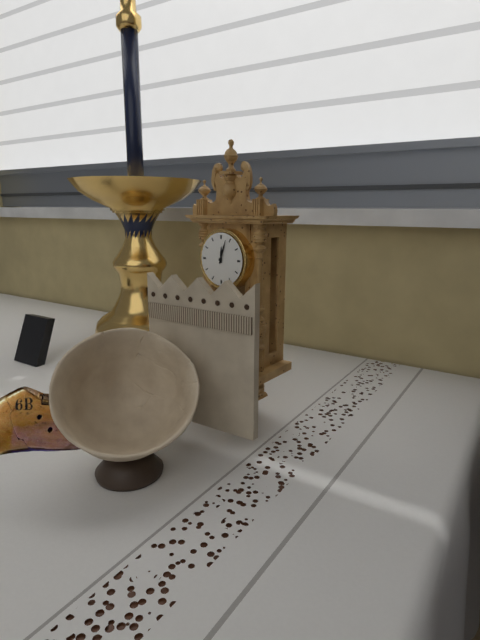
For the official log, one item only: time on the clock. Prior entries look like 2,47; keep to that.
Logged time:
12,03
